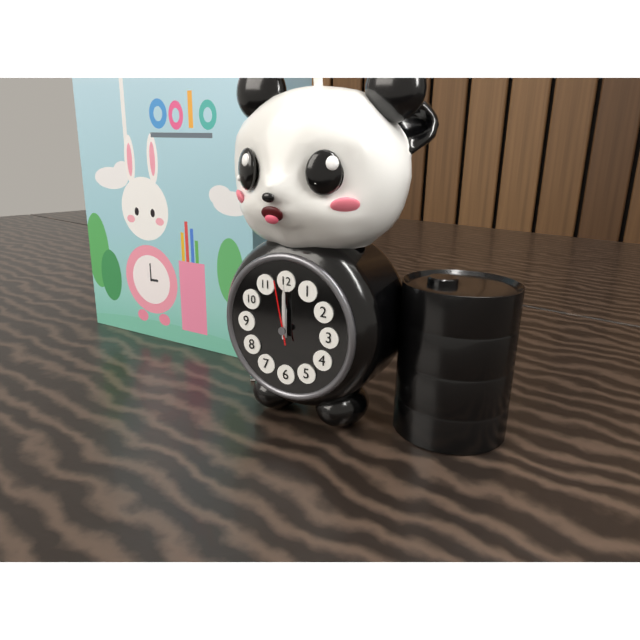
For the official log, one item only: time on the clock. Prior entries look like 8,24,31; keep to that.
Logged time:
12,00,58
